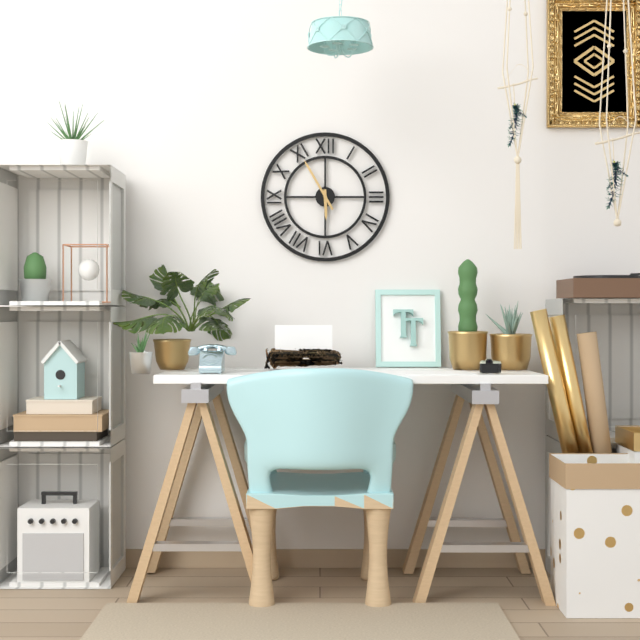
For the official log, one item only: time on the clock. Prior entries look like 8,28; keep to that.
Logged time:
5,55
